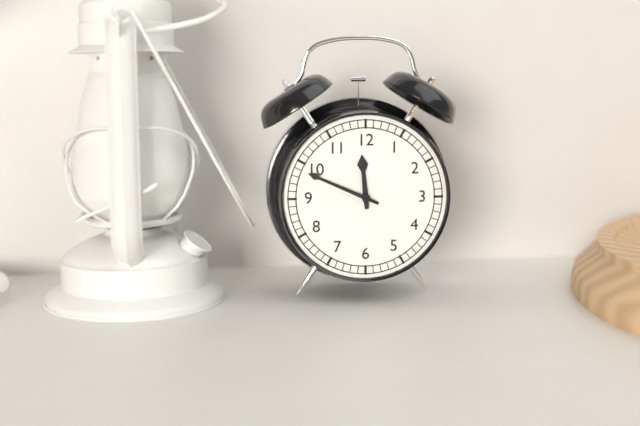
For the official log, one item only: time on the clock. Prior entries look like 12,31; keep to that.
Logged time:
11,49
